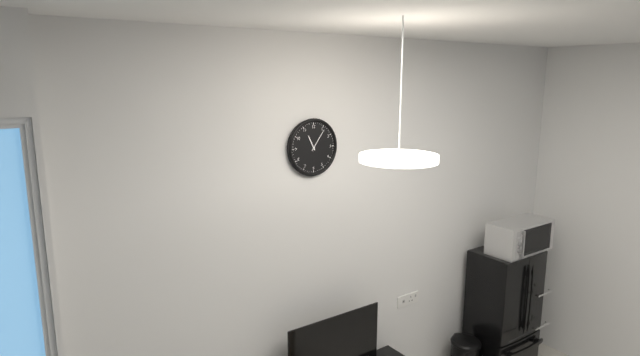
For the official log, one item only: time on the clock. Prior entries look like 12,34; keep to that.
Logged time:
11,06
